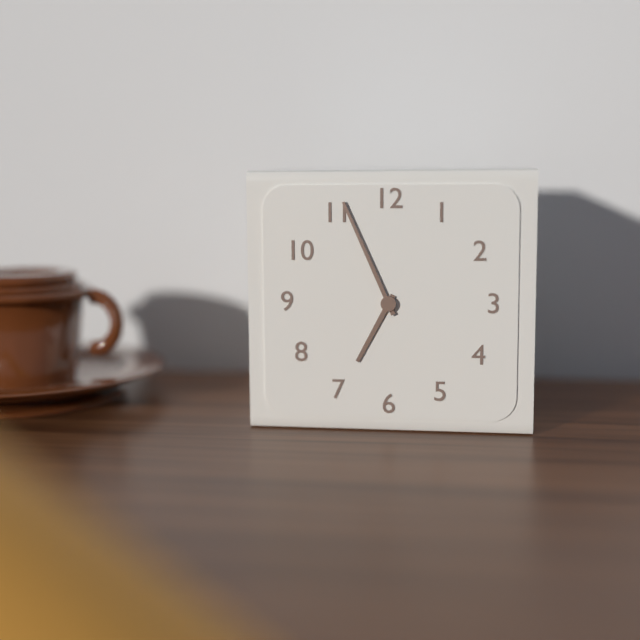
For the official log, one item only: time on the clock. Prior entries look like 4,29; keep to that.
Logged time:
6,56
